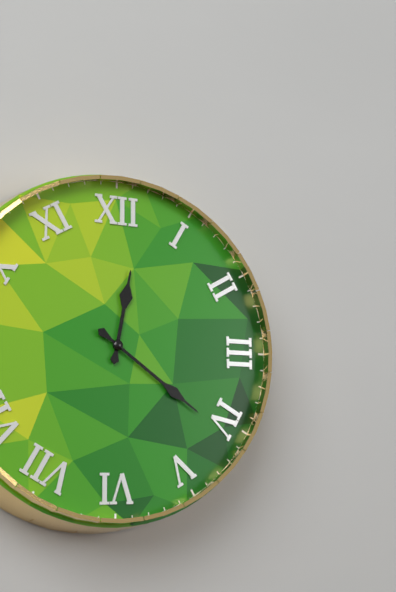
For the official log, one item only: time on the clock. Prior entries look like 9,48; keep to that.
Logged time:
12,21
